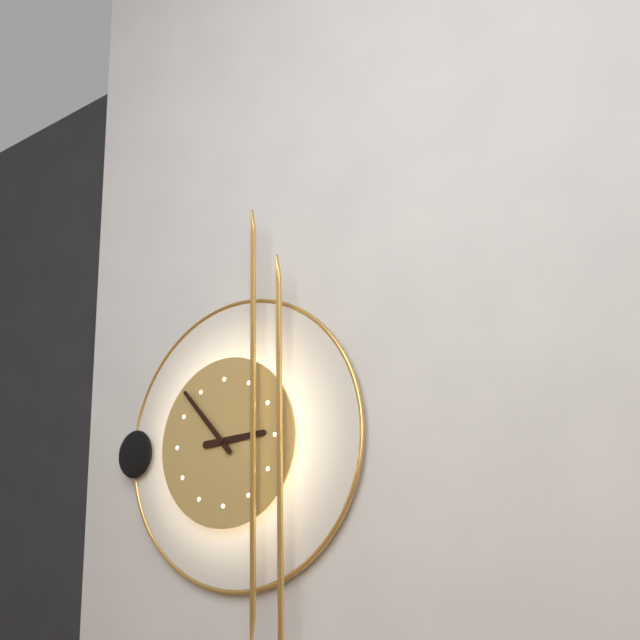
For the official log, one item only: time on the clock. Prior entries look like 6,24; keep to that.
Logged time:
2,53
